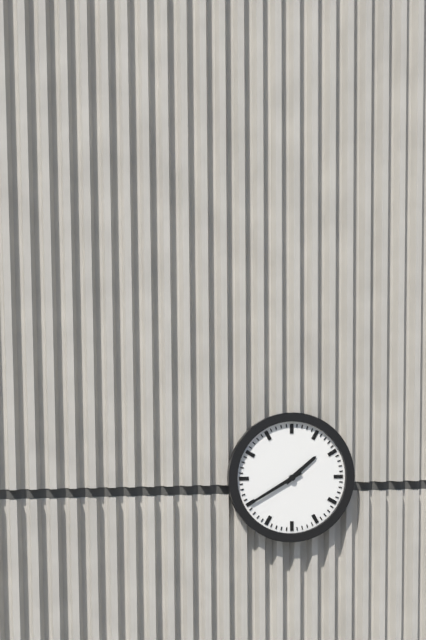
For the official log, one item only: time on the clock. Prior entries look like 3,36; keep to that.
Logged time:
1,40
